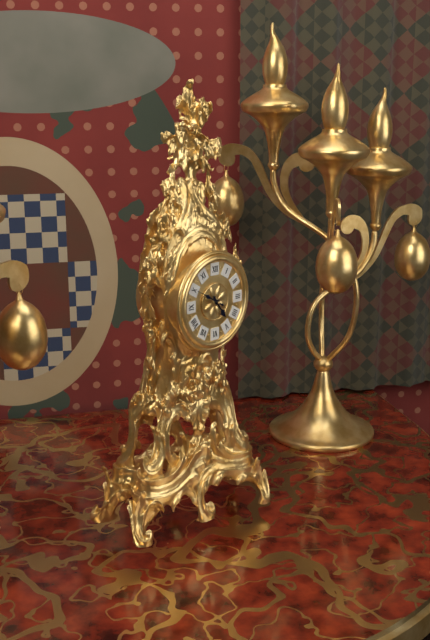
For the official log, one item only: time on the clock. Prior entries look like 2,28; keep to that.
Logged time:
4,50
